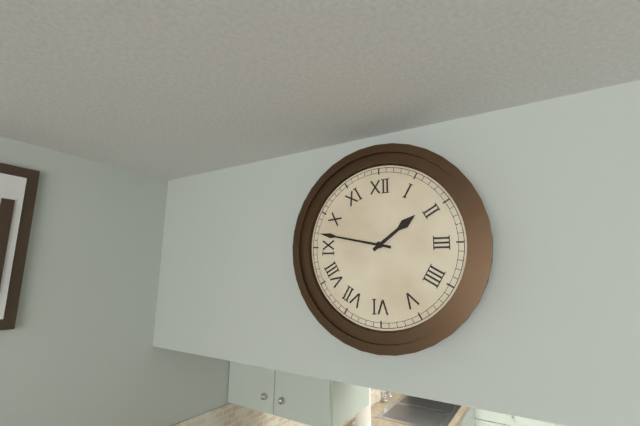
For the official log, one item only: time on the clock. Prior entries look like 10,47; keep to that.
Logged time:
1,47
